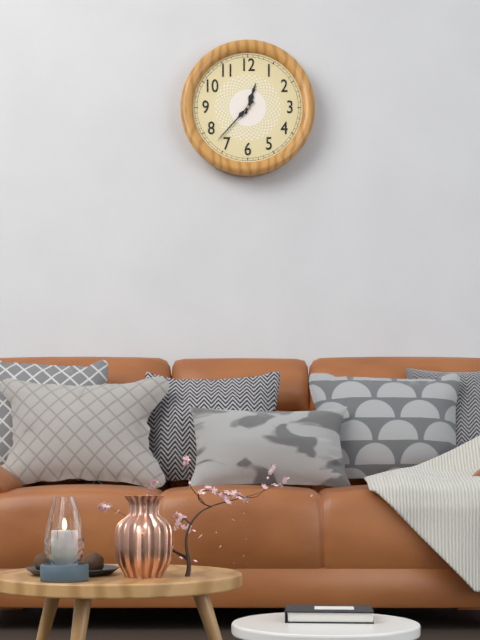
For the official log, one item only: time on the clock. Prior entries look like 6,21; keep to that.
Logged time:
12,37
